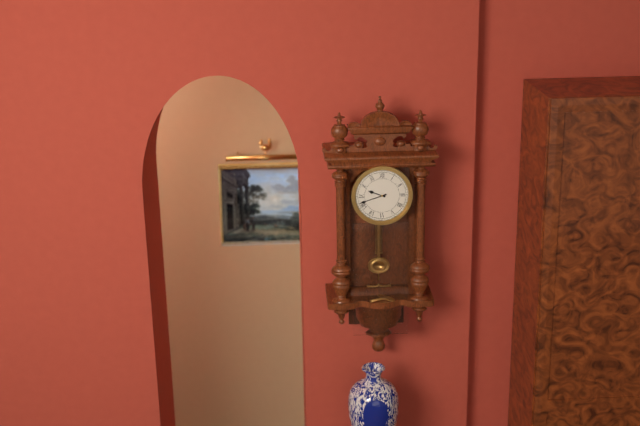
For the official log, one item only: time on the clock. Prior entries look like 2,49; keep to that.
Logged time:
9,42
